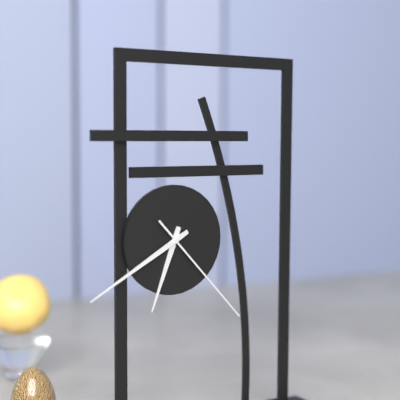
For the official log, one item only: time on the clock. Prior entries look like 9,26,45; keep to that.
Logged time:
6,40,23
